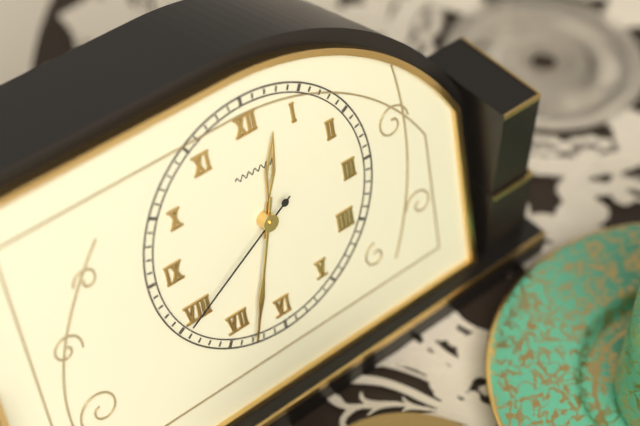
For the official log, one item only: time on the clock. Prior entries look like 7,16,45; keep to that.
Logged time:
12,33,40
